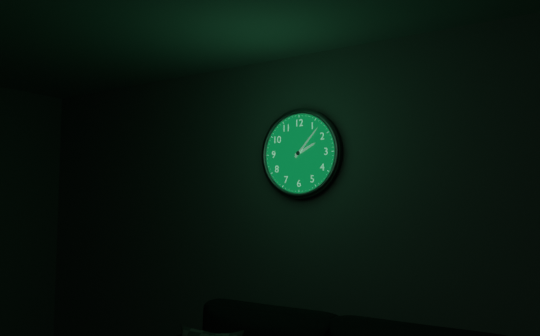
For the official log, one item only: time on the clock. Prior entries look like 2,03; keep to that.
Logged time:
2,07
